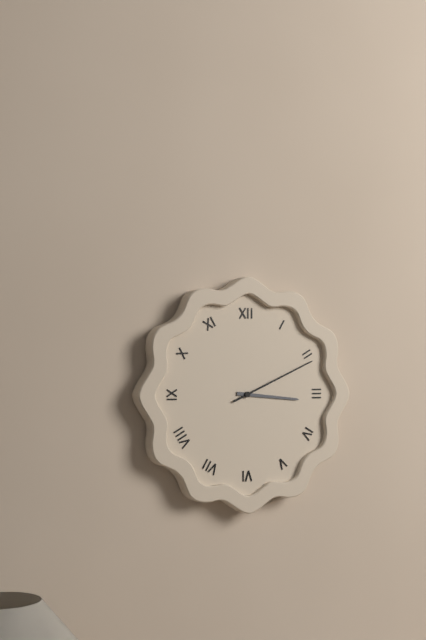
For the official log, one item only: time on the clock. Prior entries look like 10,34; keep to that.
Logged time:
3,11
